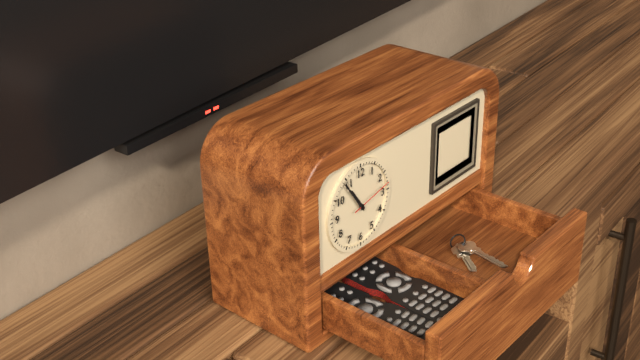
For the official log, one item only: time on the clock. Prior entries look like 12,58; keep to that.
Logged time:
10,54
